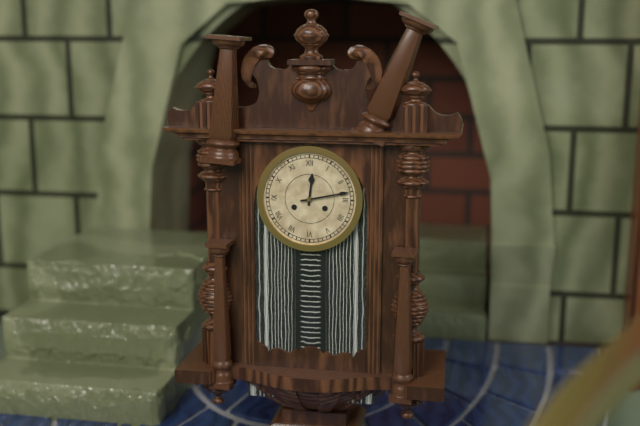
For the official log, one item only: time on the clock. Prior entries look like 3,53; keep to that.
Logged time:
12,13
